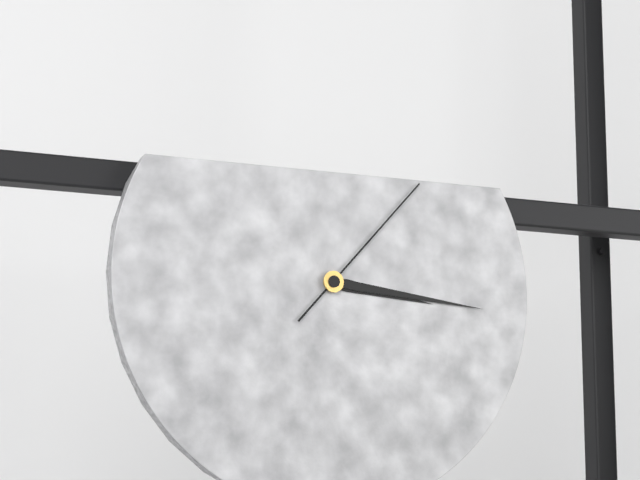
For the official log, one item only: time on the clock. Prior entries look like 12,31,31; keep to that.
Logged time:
3,16,07
